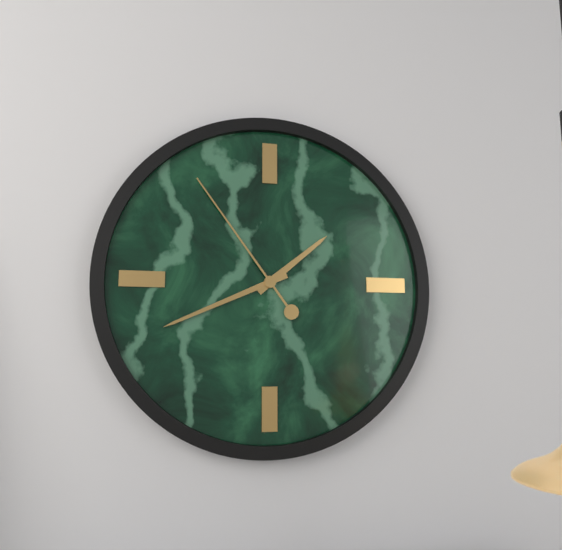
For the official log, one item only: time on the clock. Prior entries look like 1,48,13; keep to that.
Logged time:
1,41,54
